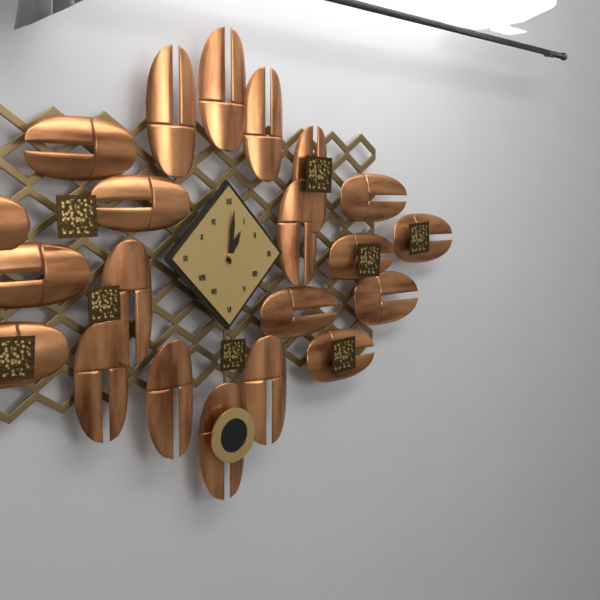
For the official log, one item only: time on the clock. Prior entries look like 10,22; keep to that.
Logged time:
1,01
